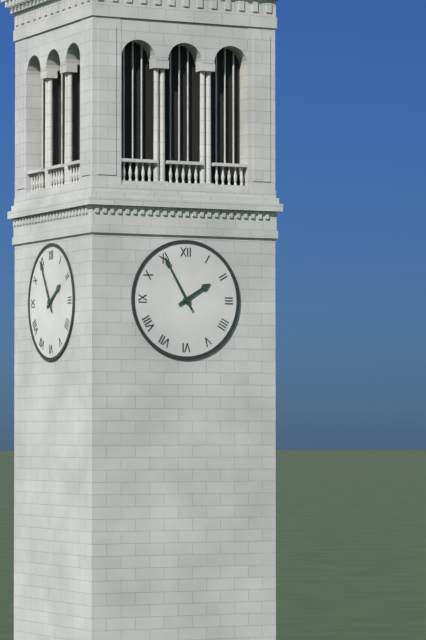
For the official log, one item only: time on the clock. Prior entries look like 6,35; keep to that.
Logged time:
1,55
